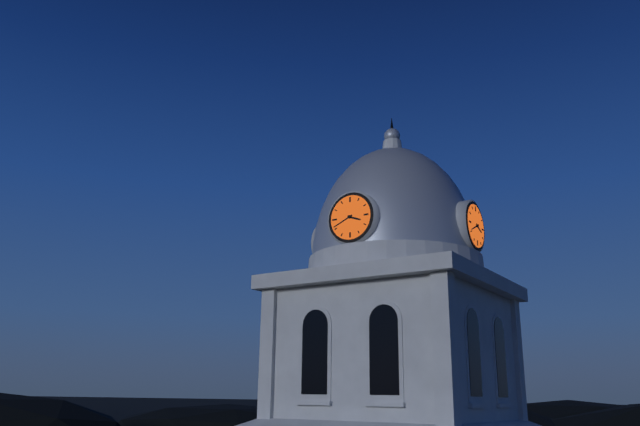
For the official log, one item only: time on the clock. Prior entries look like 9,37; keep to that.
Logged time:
3,41
